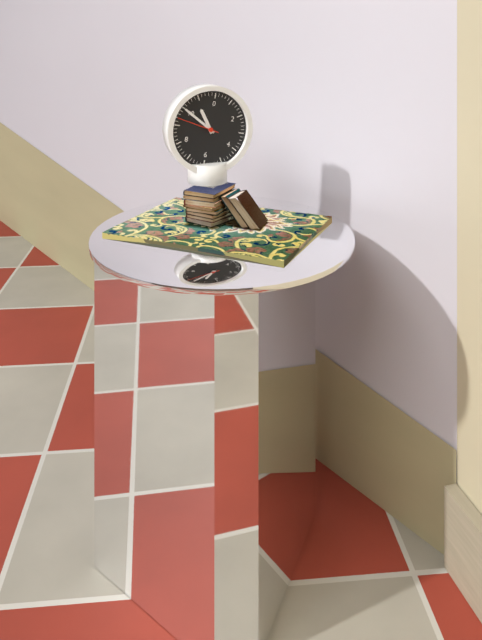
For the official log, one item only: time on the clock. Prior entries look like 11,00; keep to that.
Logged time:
10,50
